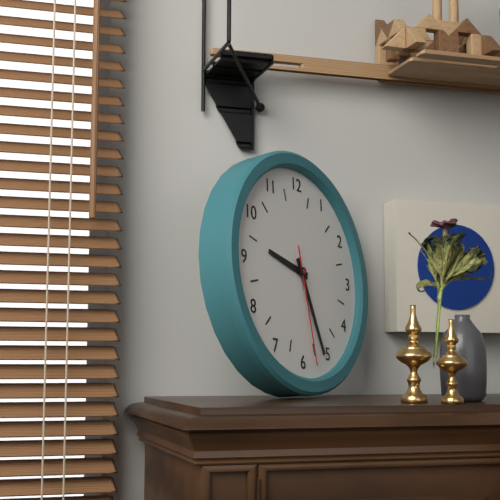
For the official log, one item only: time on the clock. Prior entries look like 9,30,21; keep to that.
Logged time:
9,26,28
